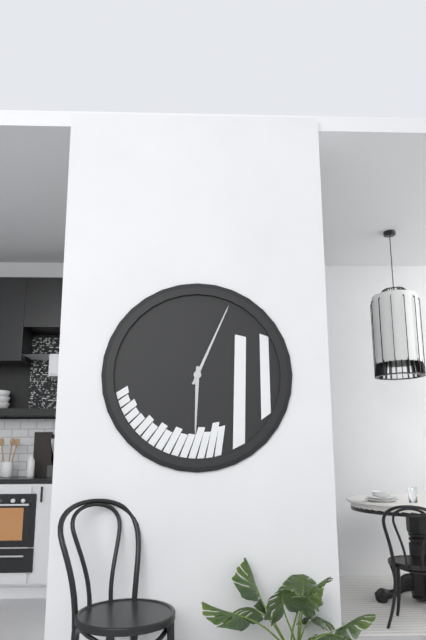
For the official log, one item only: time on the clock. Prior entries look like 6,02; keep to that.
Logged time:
6,04
